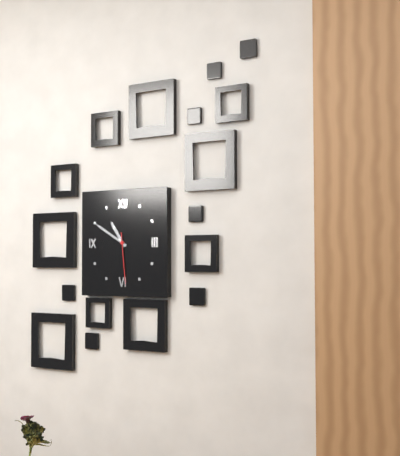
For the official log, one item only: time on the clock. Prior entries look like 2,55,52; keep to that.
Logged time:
10,50,29
